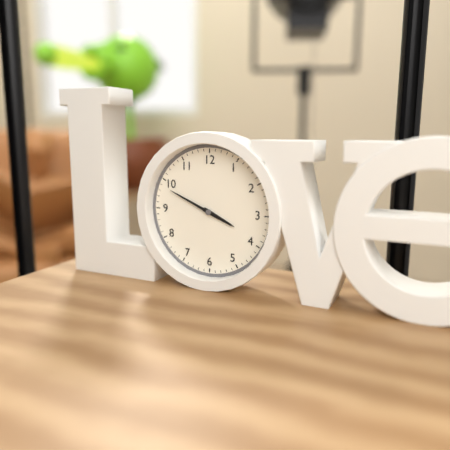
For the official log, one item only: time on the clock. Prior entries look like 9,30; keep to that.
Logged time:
3,49
